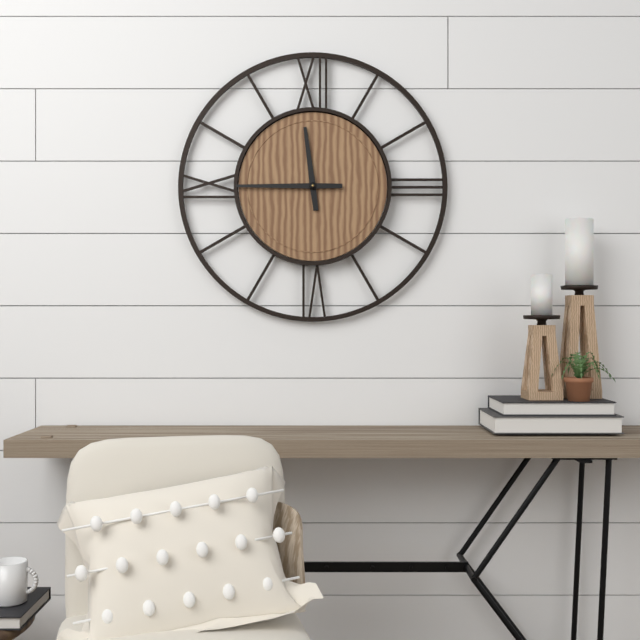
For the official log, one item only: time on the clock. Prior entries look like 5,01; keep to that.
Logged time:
11,45
